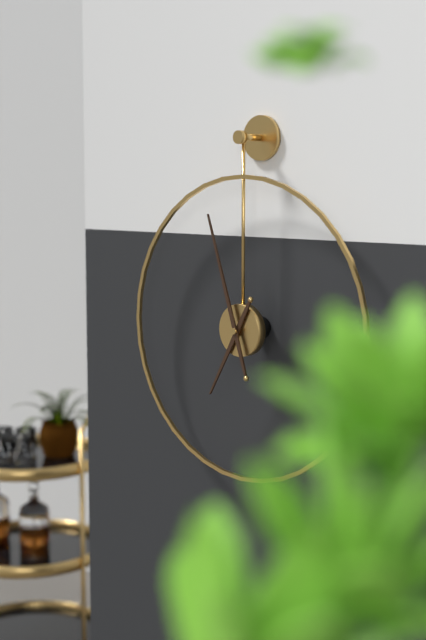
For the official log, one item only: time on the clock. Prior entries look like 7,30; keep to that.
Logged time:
6,57
